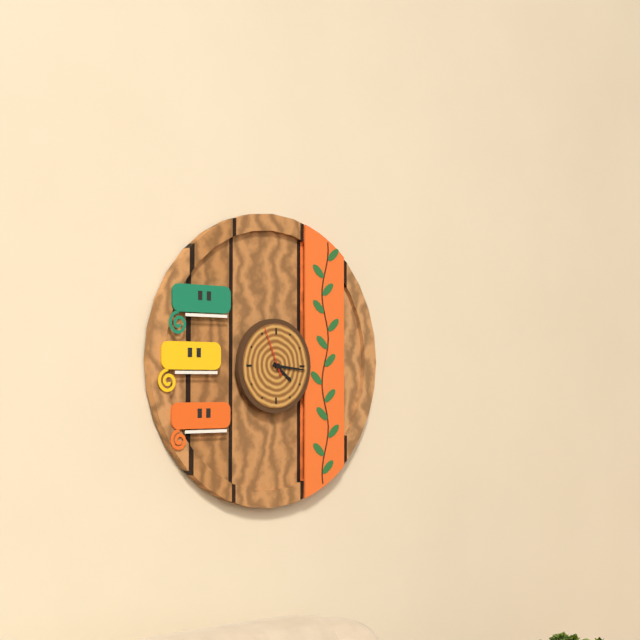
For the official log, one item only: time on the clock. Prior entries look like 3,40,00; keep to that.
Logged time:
4,16,56
